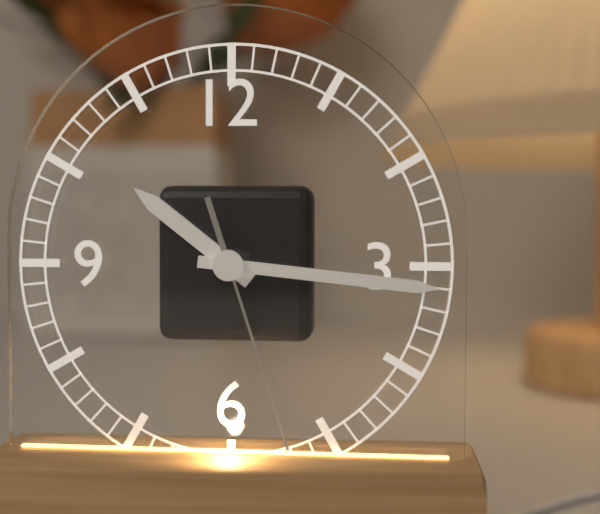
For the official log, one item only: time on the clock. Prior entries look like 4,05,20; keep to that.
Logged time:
10,16,27
